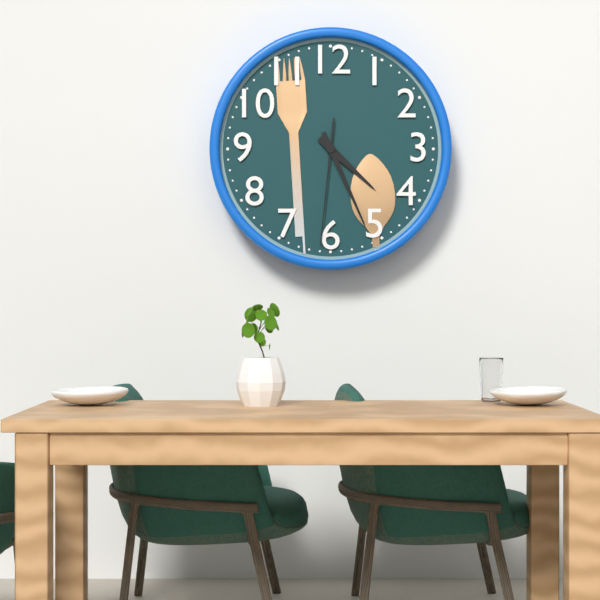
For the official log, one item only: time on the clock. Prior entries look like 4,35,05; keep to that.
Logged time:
4,26,31
